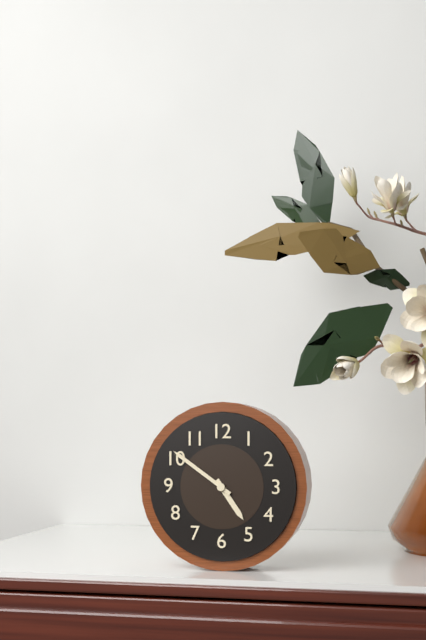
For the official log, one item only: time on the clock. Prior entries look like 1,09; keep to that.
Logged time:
4,51
